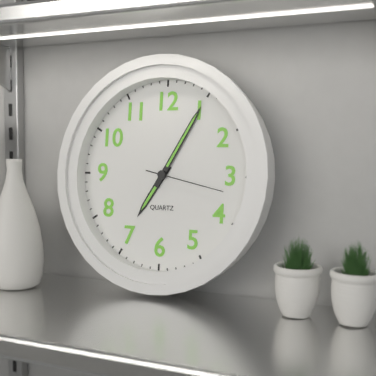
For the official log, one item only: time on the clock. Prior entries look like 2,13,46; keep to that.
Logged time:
7,05,17
